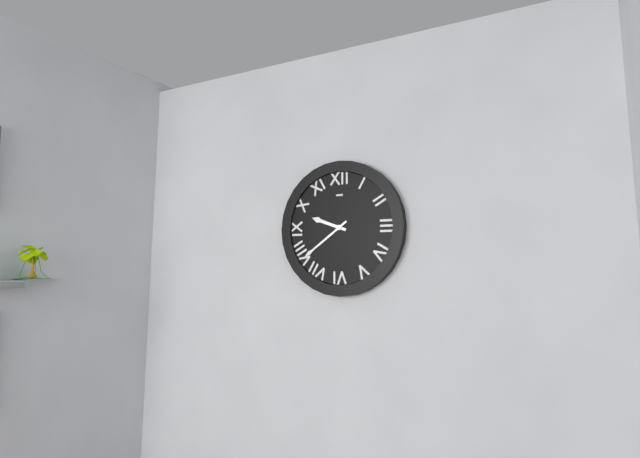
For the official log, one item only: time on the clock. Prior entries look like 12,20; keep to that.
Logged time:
9,39
